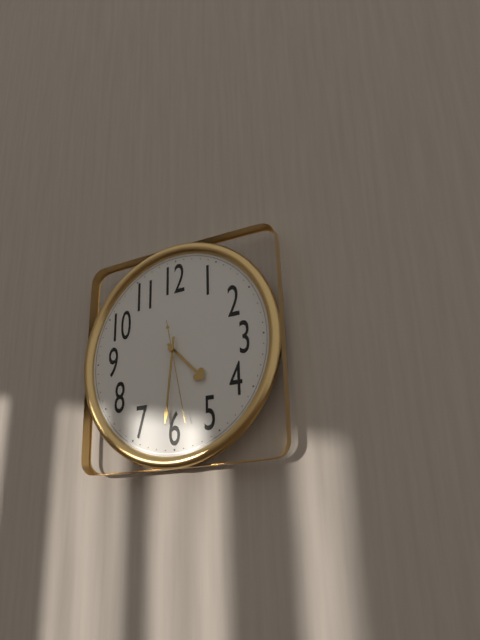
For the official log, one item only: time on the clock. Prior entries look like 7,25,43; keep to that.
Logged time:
4,31,28
